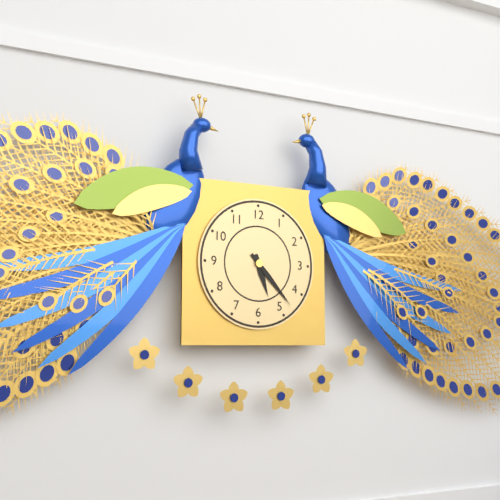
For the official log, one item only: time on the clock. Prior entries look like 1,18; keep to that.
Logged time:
5,23
